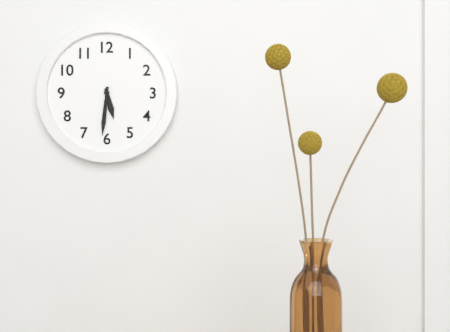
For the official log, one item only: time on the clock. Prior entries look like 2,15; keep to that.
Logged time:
5,31
